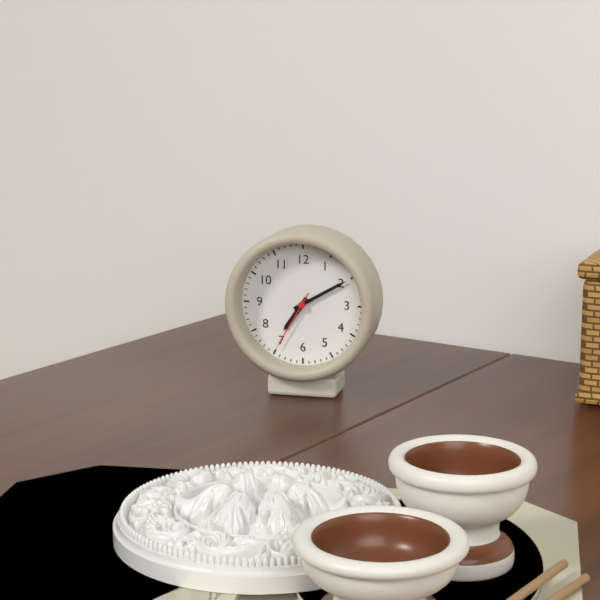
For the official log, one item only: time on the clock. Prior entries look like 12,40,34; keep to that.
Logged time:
7,10,35
